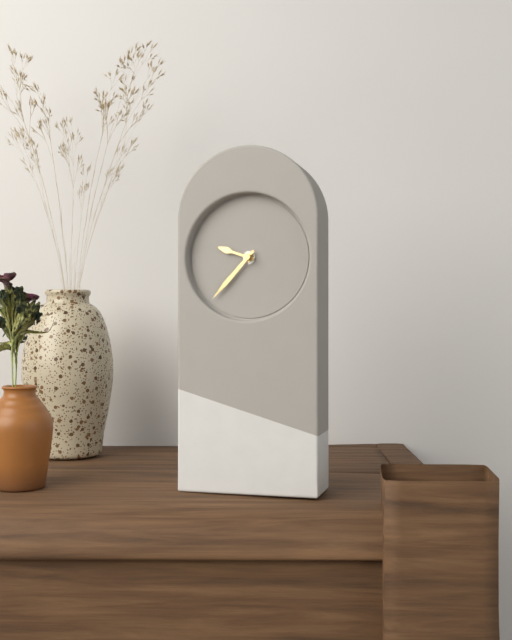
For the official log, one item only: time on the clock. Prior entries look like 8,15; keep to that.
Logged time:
9,37
